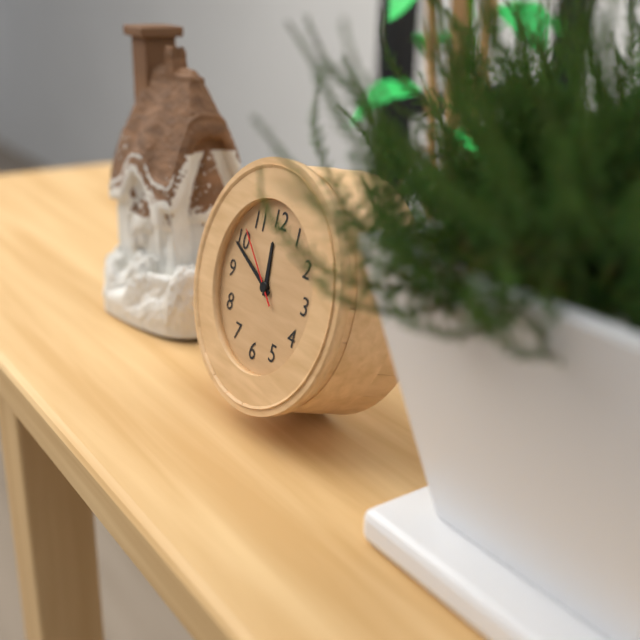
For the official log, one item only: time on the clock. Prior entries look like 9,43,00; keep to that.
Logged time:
11,49,52
